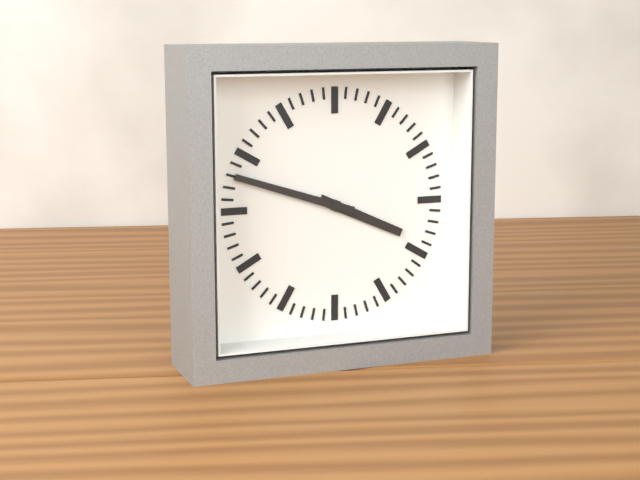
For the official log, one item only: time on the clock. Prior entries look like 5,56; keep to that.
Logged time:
3,48
